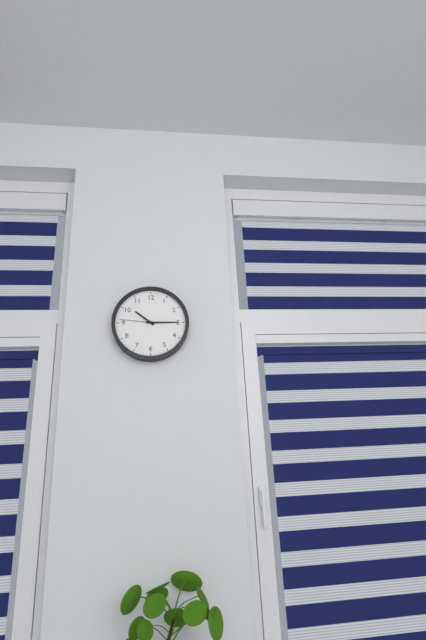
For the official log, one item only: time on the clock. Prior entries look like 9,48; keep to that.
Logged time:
10,15
